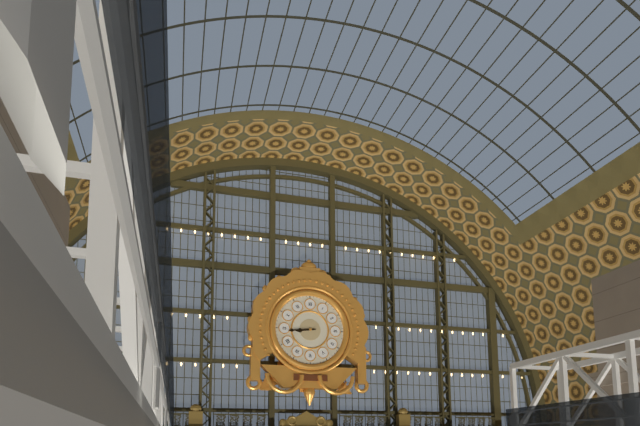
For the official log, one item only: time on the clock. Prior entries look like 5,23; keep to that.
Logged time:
8,44
